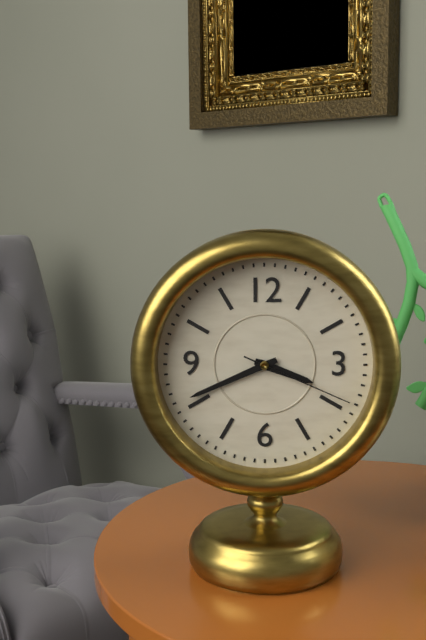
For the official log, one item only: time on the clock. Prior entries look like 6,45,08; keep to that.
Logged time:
3,41,19
